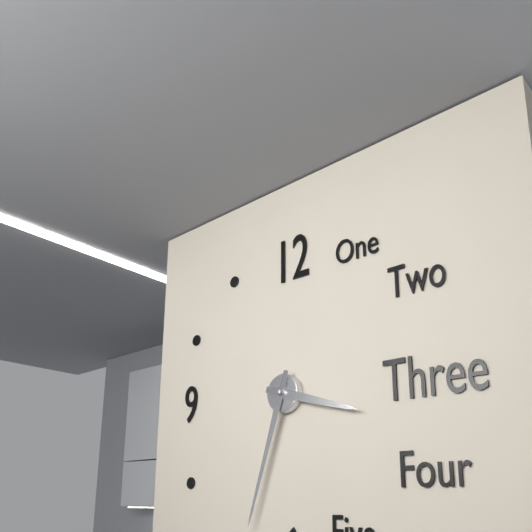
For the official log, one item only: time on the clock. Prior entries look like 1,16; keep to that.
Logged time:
3,33
